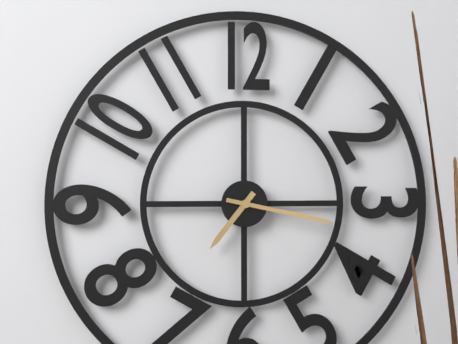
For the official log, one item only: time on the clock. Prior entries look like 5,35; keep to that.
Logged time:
7,17
